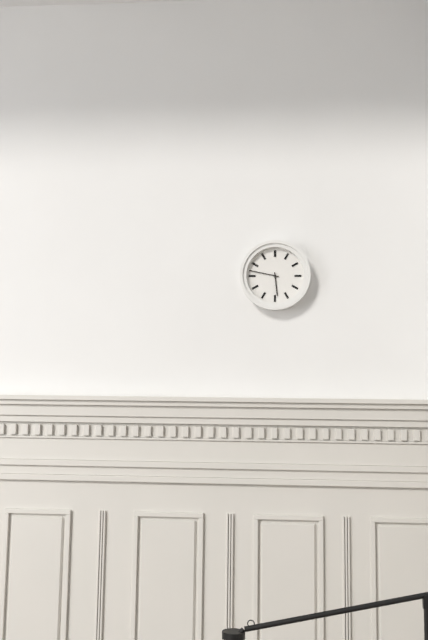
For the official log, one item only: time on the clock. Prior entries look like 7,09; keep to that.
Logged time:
5,47
